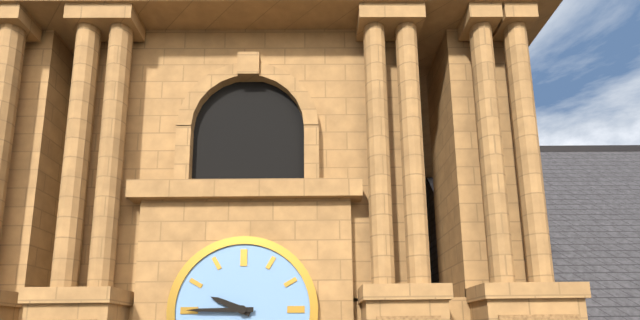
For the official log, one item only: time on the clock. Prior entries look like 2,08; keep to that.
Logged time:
9,45
